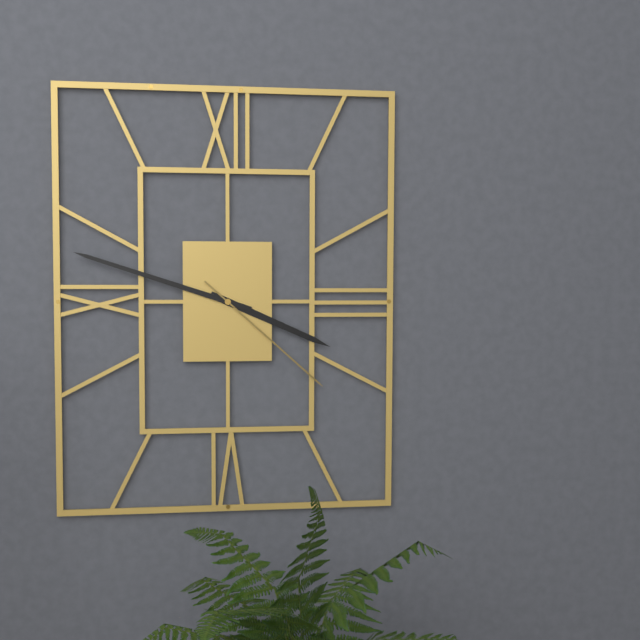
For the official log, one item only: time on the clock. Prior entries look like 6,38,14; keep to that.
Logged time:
3,48,22
